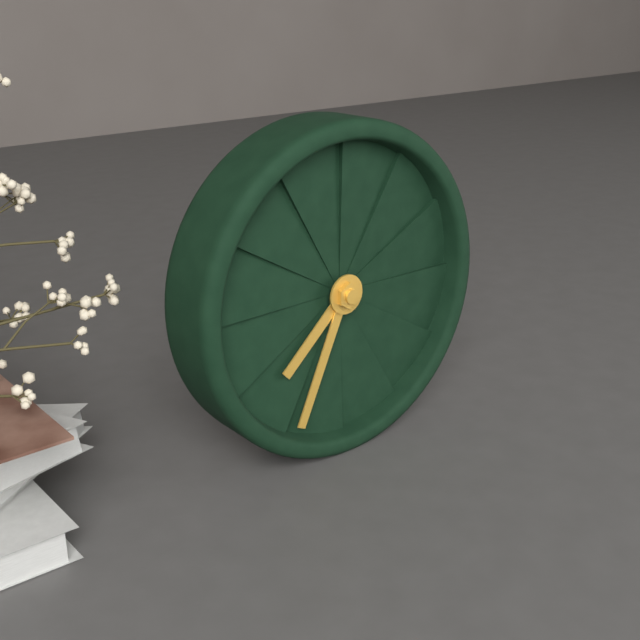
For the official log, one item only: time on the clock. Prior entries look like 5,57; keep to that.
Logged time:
7,34
